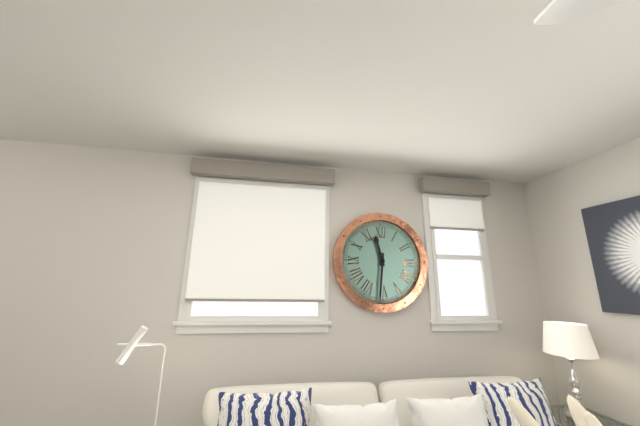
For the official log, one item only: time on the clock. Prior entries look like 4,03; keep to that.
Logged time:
11,31
